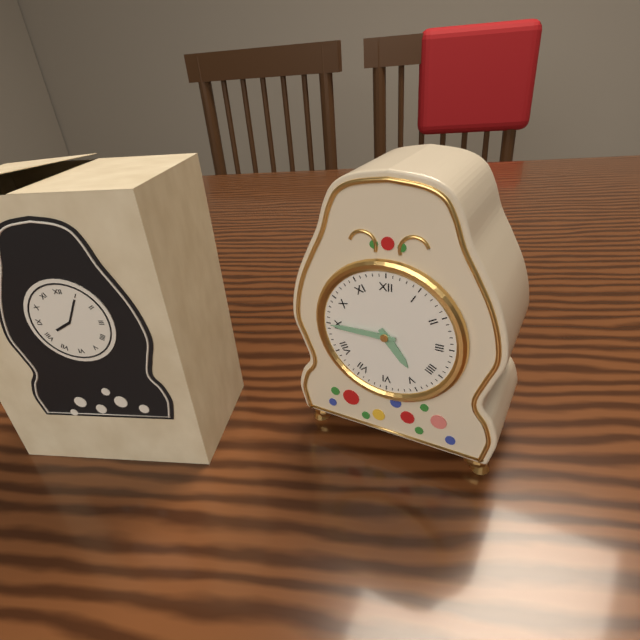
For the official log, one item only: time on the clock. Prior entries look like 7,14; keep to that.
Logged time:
4,45
